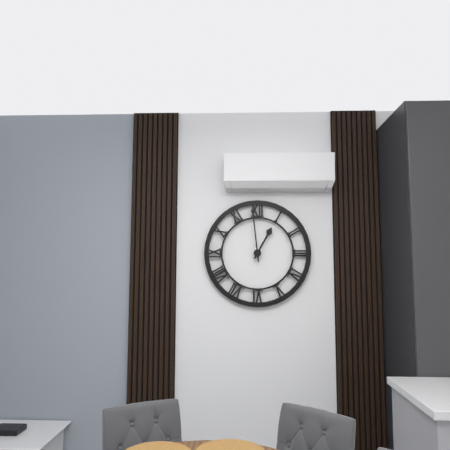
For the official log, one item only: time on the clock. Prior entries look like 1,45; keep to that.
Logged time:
12,59
